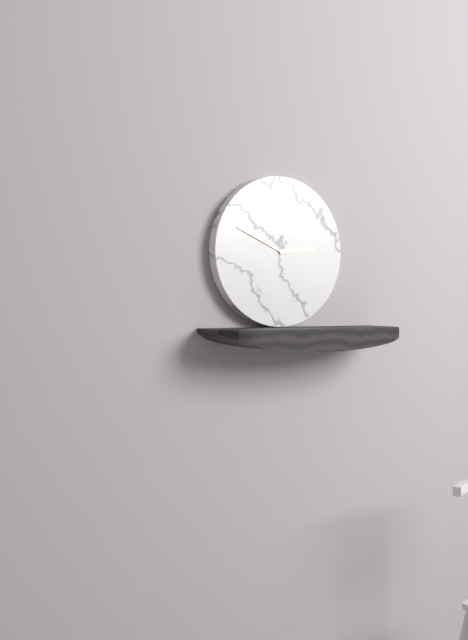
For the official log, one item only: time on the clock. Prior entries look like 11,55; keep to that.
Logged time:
2,49
